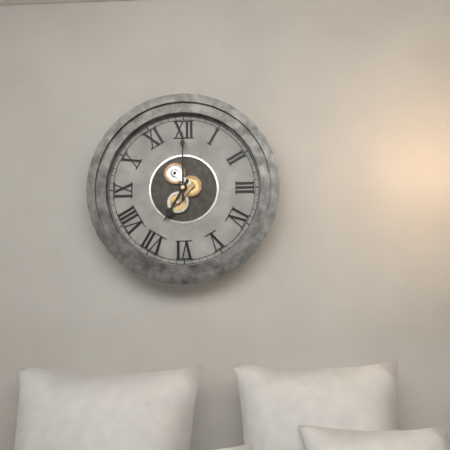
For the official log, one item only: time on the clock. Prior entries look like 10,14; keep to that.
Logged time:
7,00
